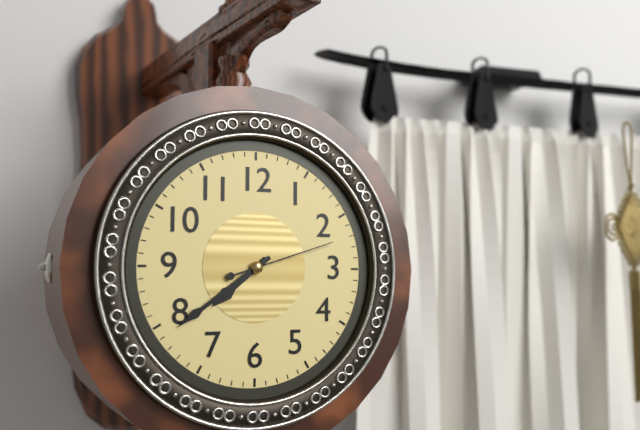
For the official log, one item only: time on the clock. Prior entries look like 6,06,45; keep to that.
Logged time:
7,39,12
